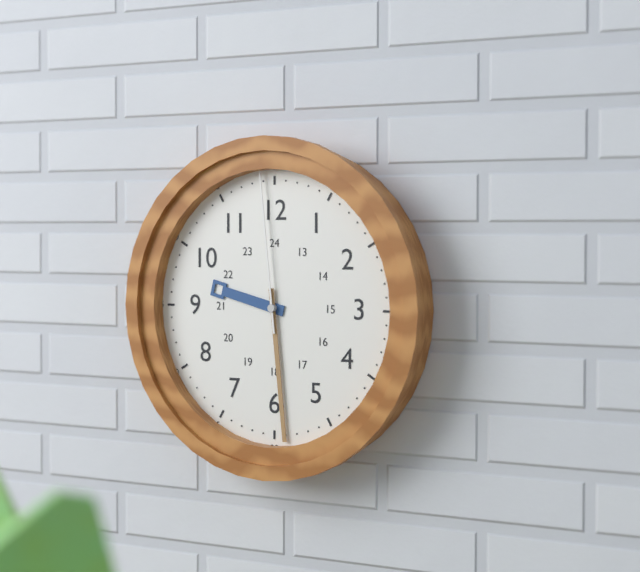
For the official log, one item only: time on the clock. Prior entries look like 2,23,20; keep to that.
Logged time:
9,29,59
